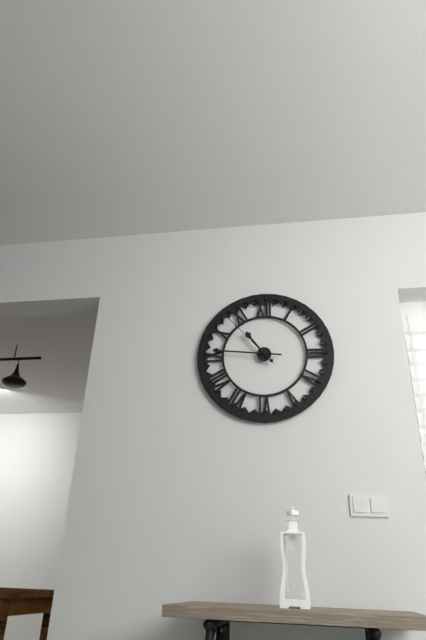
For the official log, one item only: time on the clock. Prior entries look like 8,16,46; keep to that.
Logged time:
10,46,53
